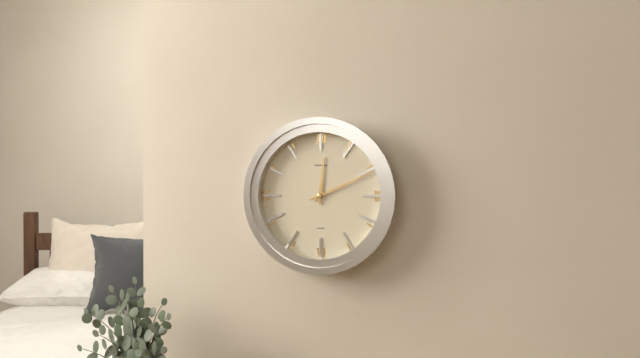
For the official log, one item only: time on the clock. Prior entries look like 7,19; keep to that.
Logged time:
12,11
